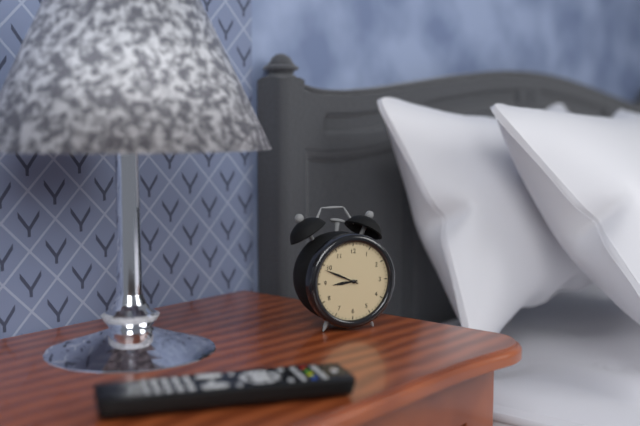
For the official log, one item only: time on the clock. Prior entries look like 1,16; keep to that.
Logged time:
8,49
